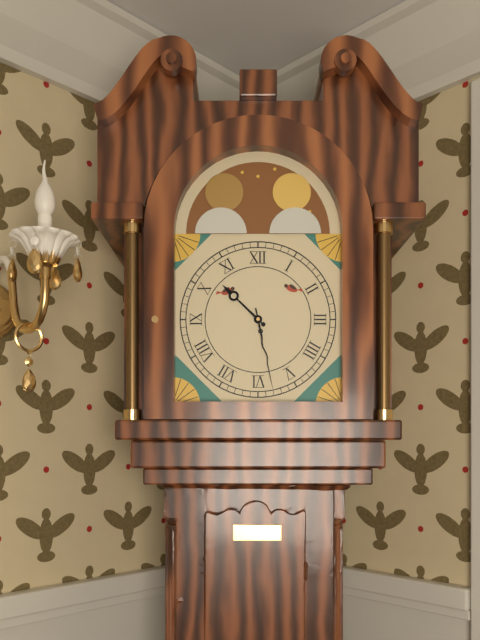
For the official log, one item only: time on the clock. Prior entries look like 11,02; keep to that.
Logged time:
10,28
